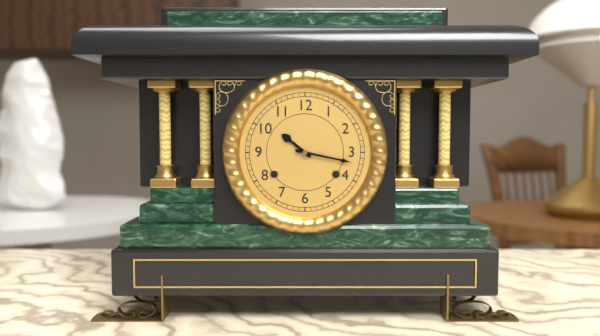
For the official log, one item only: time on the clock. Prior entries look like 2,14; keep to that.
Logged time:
10,17
